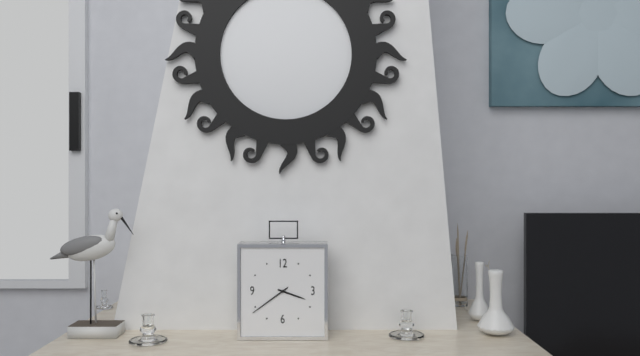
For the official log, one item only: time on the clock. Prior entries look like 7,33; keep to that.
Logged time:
3,39
